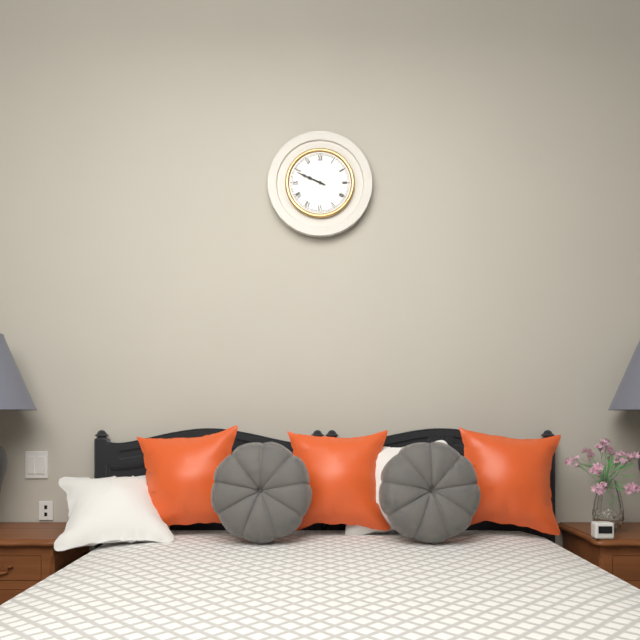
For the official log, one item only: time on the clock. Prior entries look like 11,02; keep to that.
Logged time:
9,49
